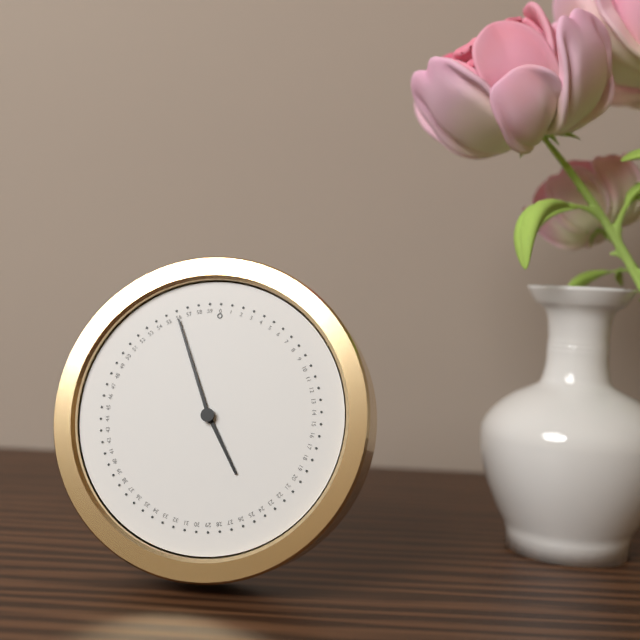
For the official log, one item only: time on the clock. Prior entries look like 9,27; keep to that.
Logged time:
4,56
